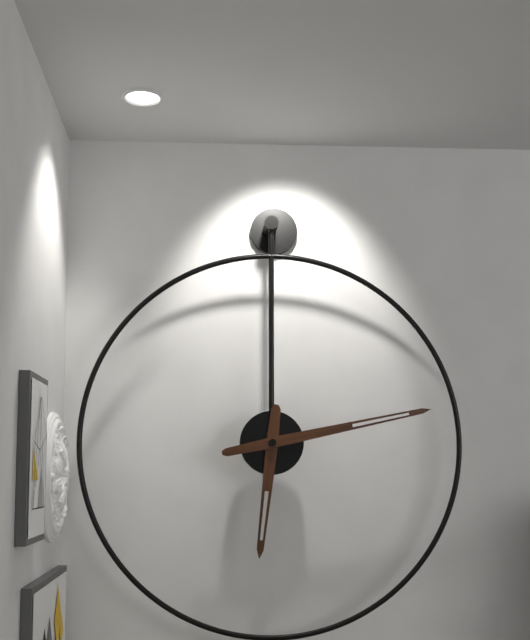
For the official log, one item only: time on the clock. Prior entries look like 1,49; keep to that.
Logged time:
6,13
